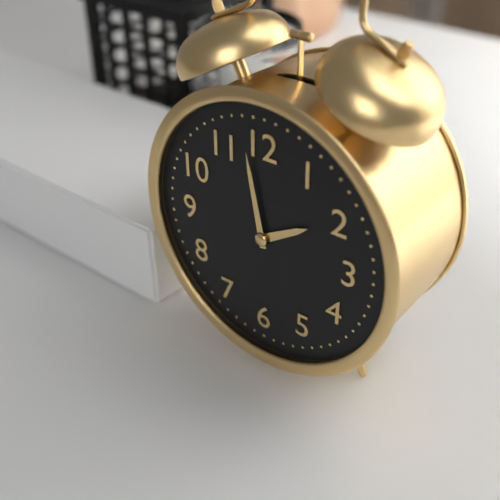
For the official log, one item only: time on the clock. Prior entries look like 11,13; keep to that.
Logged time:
1,58
